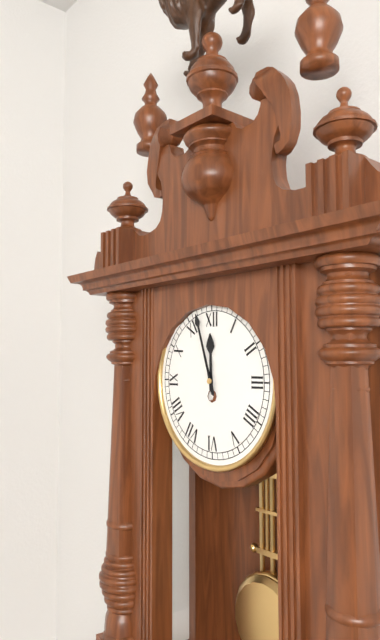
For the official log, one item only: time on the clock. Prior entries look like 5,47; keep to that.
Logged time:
11,57
